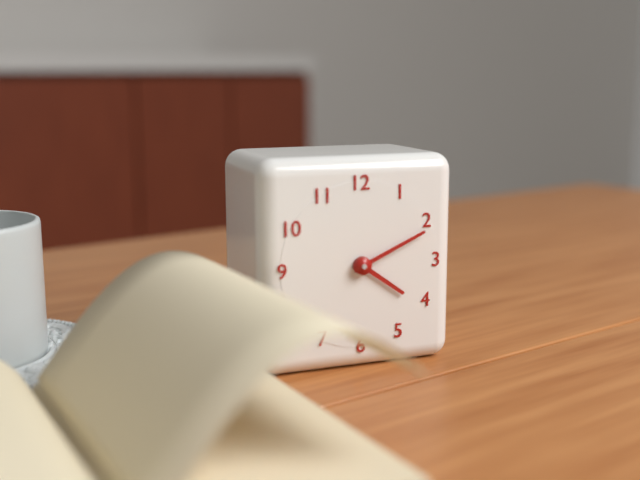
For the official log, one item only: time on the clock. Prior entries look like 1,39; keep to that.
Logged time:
4,11
